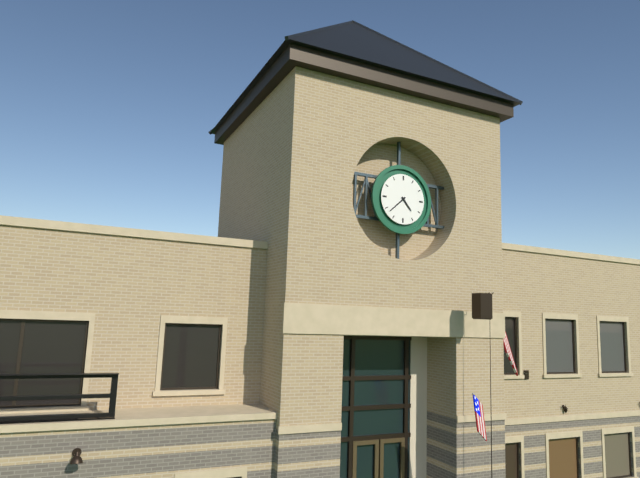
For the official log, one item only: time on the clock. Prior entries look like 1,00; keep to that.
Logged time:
4,38
